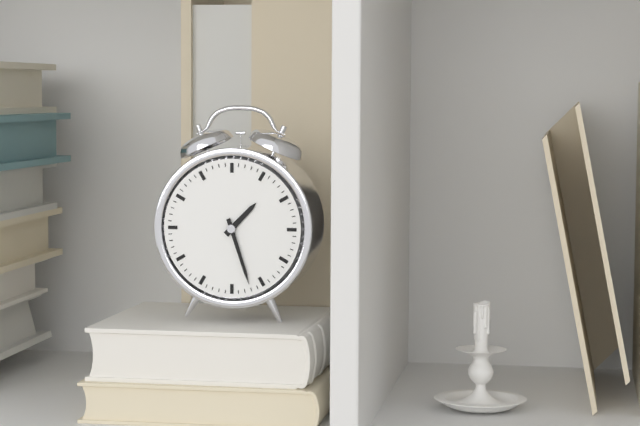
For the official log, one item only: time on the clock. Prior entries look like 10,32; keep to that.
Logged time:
1,27
